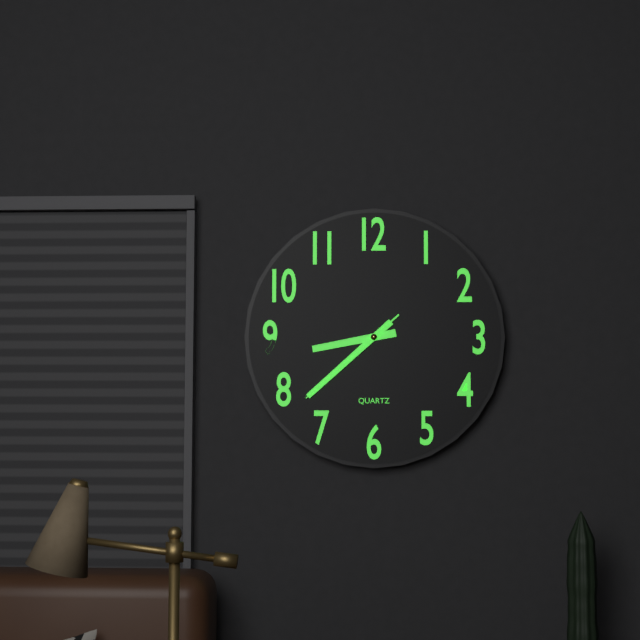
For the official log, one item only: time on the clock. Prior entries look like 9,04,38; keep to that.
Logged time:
8,38,38
